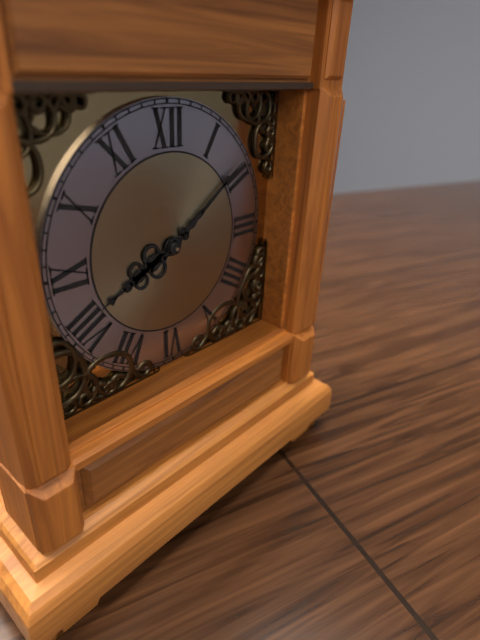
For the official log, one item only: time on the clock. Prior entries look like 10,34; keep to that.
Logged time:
8,09
